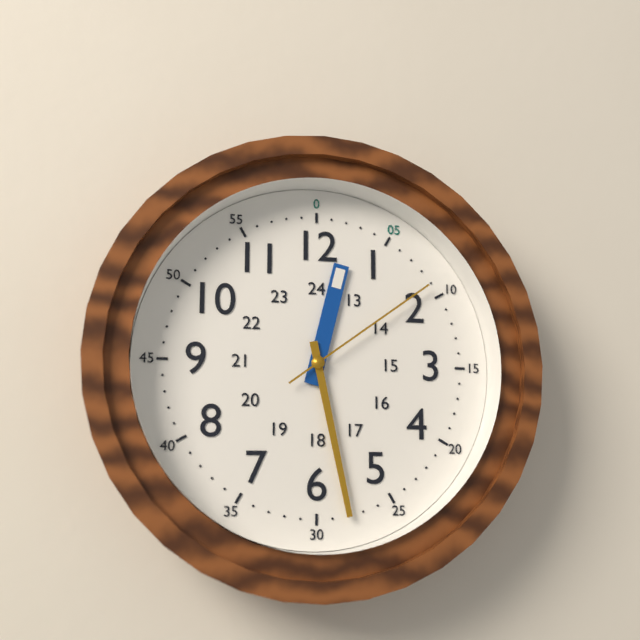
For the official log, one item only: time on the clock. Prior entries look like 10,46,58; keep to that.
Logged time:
12,28,09
